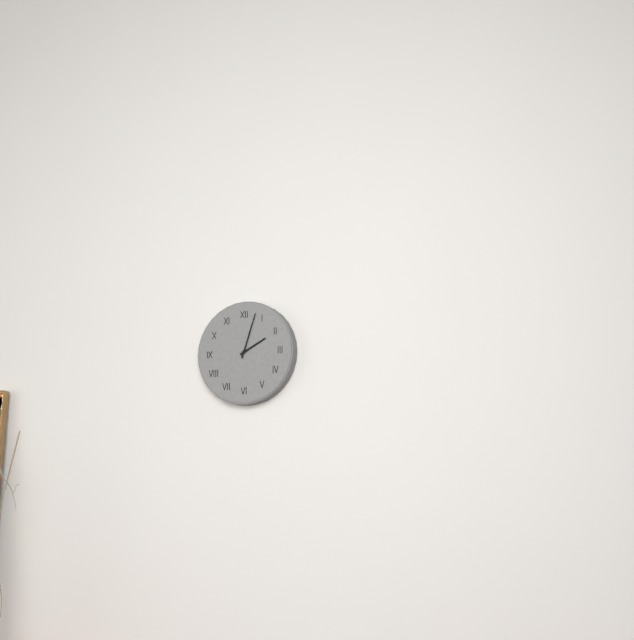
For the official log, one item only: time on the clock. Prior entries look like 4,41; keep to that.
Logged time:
2,03
